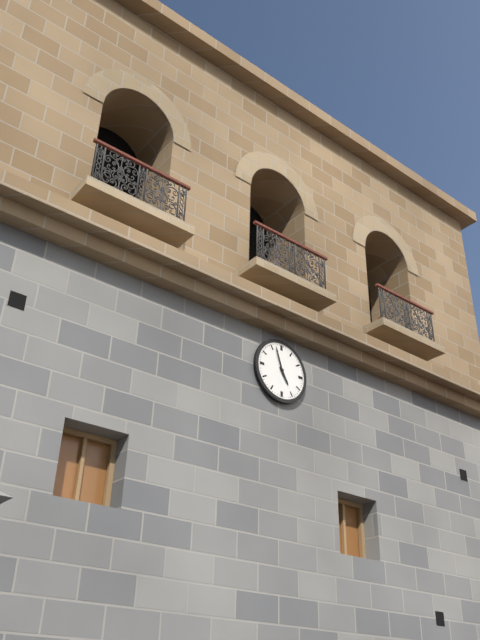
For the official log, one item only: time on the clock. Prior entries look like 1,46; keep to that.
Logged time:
4,57
